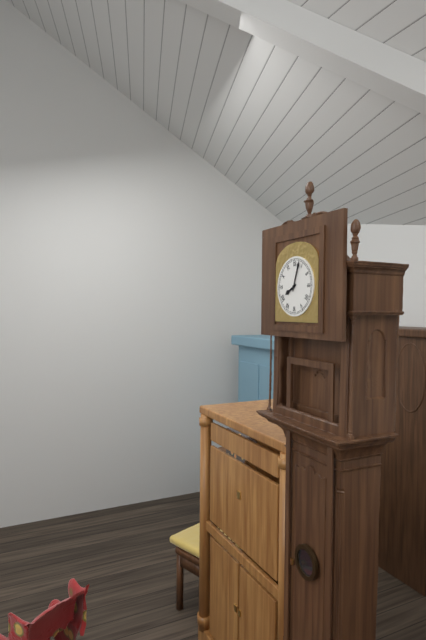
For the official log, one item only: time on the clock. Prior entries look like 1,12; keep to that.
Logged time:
8,03
